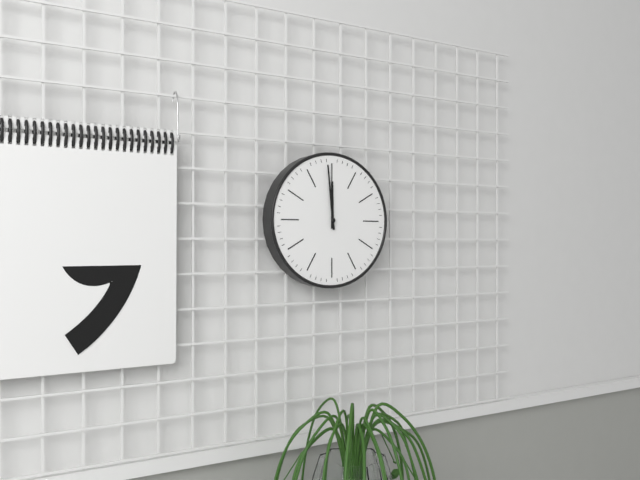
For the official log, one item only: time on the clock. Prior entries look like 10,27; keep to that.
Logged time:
11,59
